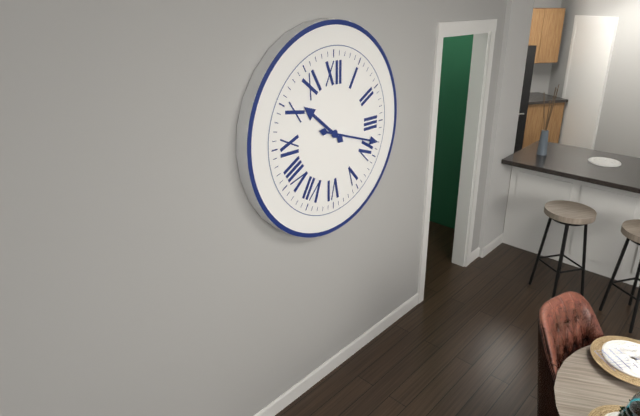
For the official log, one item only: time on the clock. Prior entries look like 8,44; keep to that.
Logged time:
10,18
